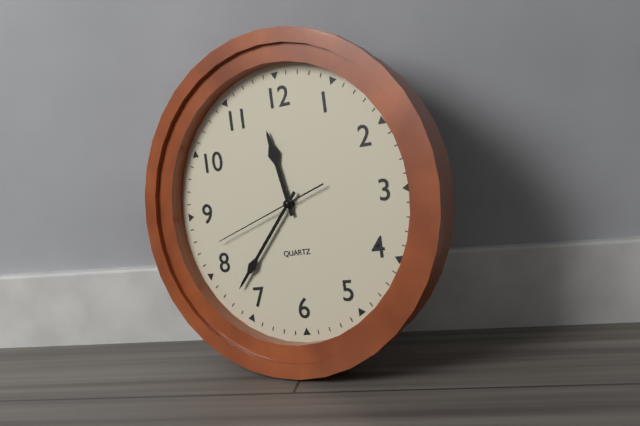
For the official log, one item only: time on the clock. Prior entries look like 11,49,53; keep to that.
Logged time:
11,37,42
